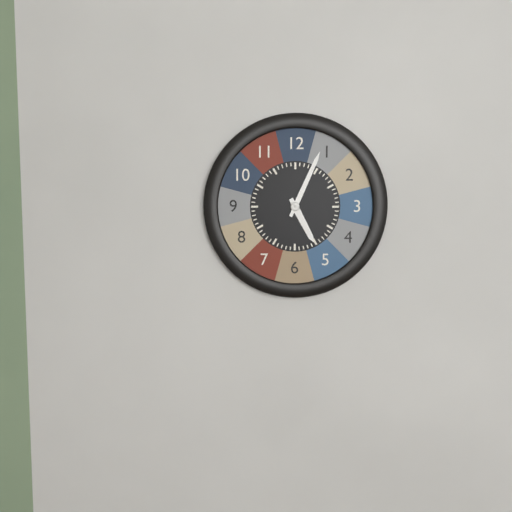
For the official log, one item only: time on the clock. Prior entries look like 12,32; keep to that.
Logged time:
5,04
